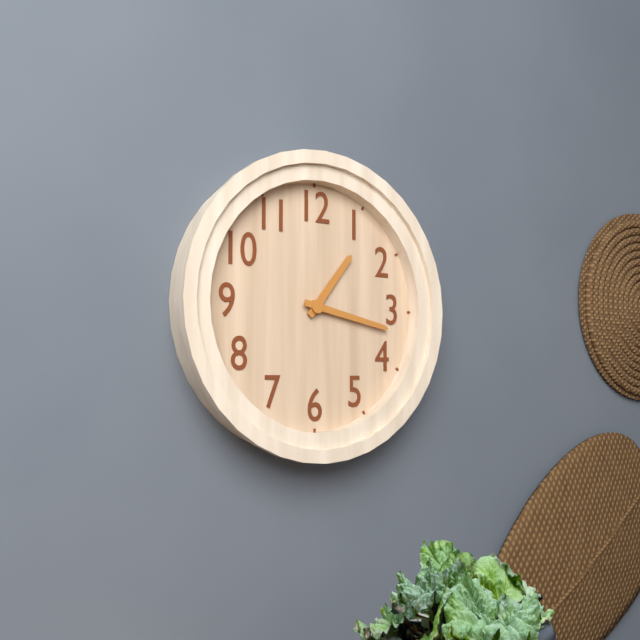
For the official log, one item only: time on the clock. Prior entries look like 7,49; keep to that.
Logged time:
1,17
